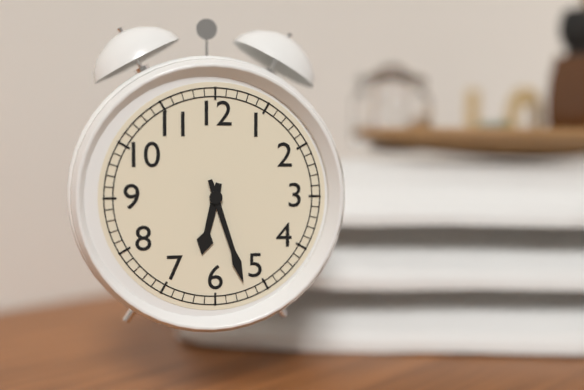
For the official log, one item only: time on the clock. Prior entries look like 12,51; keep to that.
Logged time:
6,27
